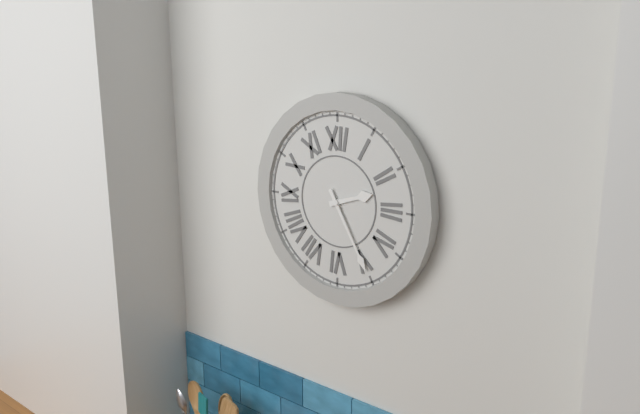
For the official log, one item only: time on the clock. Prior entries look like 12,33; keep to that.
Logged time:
2,25
